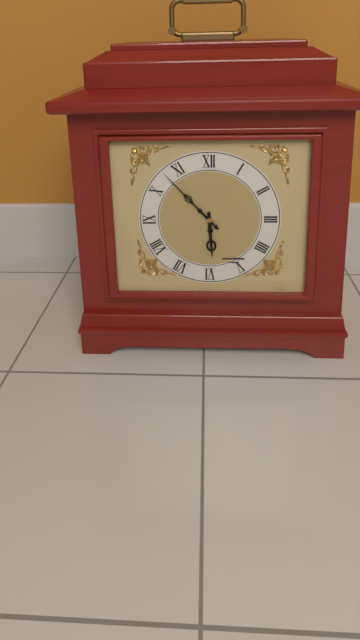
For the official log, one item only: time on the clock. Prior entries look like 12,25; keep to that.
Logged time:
5,53
